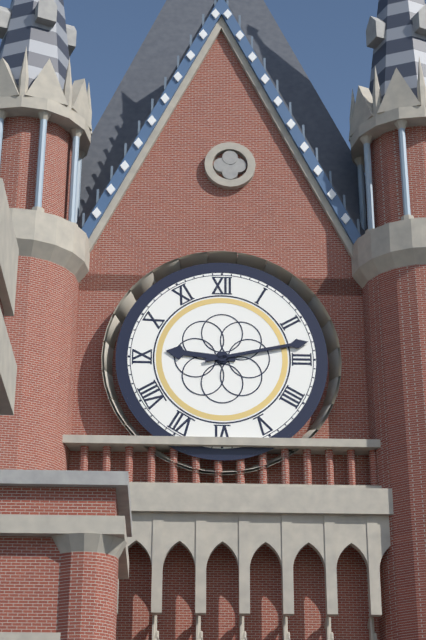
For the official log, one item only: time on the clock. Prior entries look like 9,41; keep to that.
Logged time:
9,13
